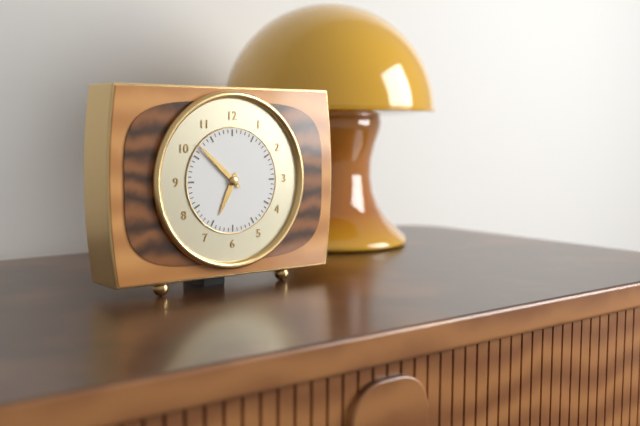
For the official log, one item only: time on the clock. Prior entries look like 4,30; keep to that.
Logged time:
6,52
